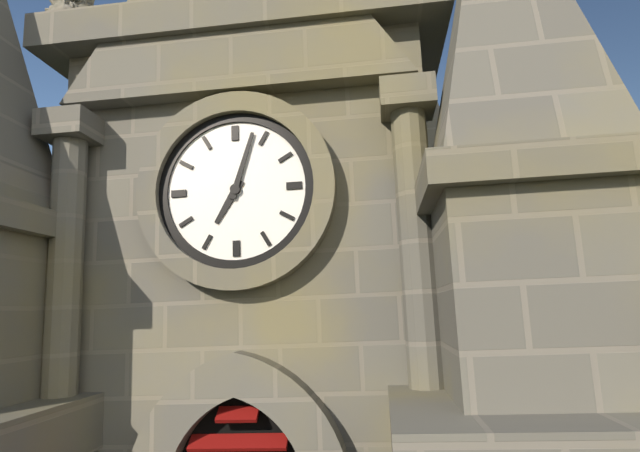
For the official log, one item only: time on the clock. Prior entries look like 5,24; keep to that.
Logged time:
7,03
